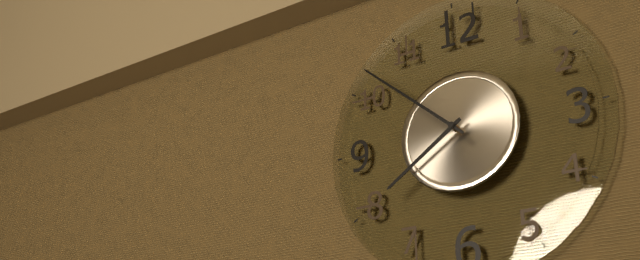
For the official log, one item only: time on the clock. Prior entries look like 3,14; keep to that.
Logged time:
7,52
